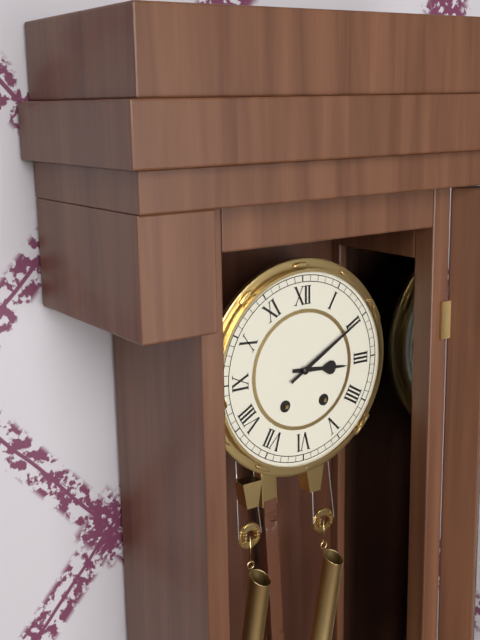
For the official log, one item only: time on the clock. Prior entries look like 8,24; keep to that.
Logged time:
3,10
